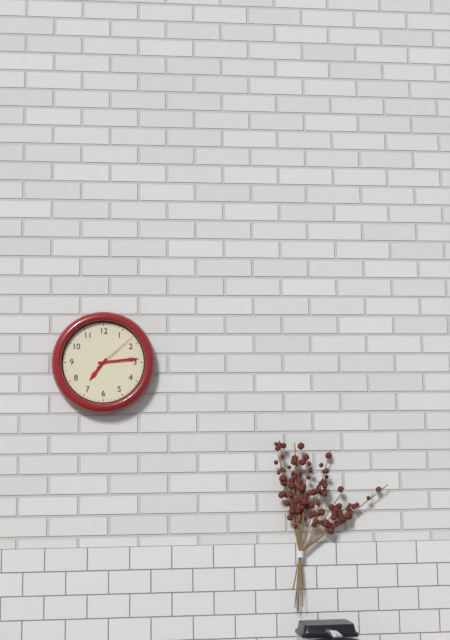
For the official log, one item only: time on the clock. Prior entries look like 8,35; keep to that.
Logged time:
7,14
